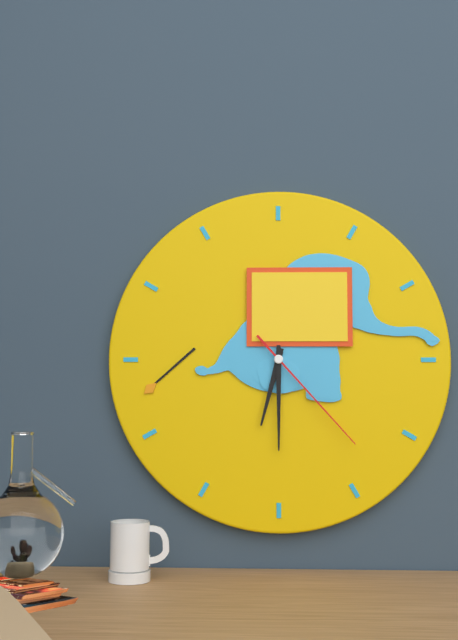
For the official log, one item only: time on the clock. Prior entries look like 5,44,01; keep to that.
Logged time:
6,30,23
